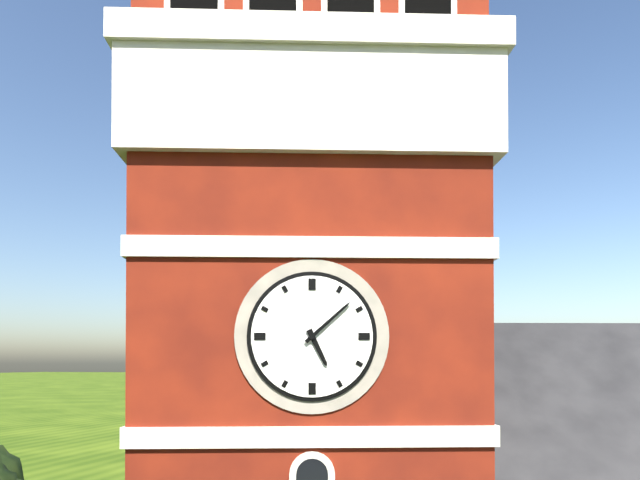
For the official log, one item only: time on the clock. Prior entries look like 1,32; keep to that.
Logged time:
5,08
